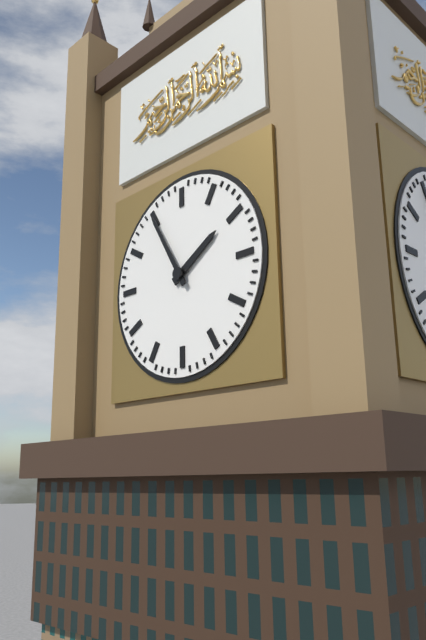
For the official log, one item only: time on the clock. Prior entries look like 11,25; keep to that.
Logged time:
1,55
